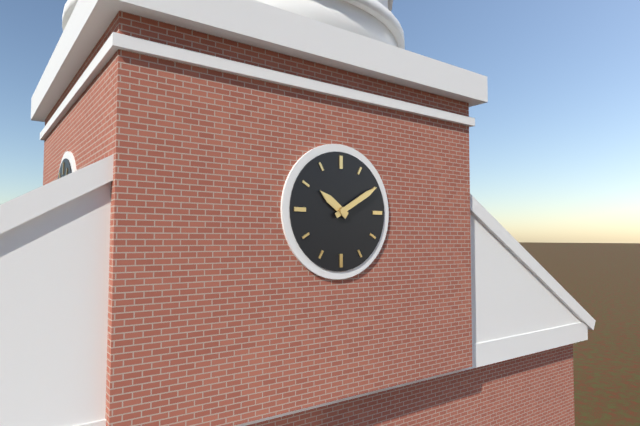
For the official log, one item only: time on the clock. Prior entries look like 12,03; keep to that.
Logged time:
10,10
